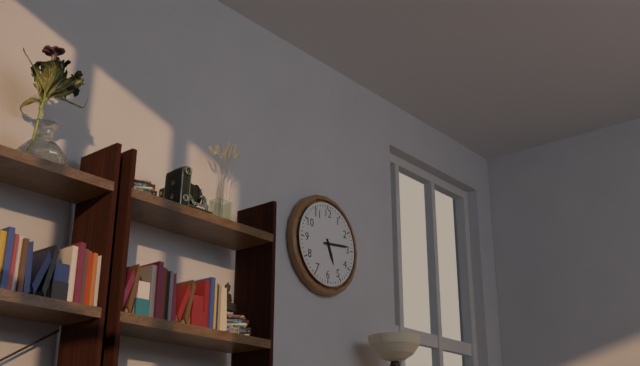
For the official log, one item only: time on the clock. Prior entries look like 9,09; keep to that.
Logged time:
5,14
